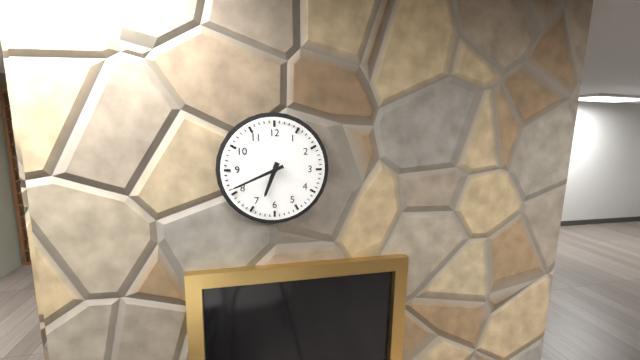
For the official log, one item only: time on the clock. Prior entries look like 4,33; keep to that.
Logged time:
6,41
